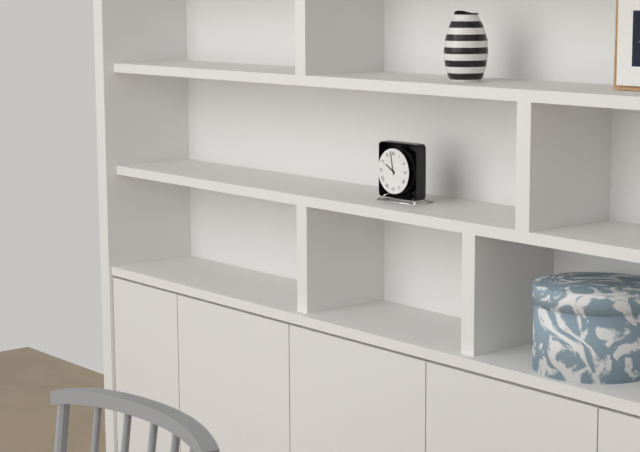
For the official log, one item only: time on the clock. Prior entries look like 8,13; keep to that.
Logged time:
9,58
